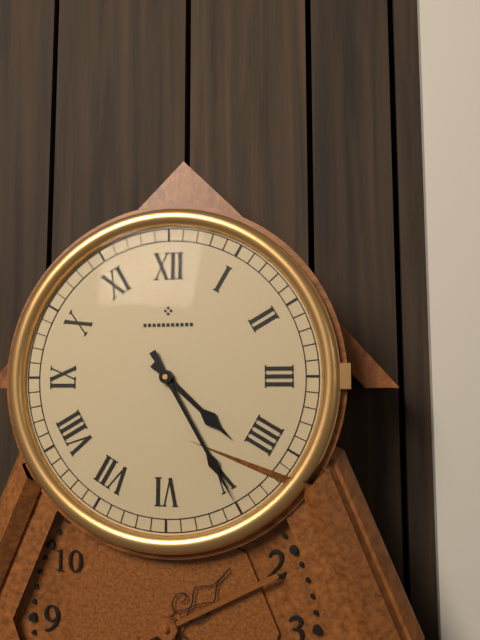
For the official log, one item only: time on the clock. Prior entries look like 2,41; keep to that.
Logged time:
4,25
